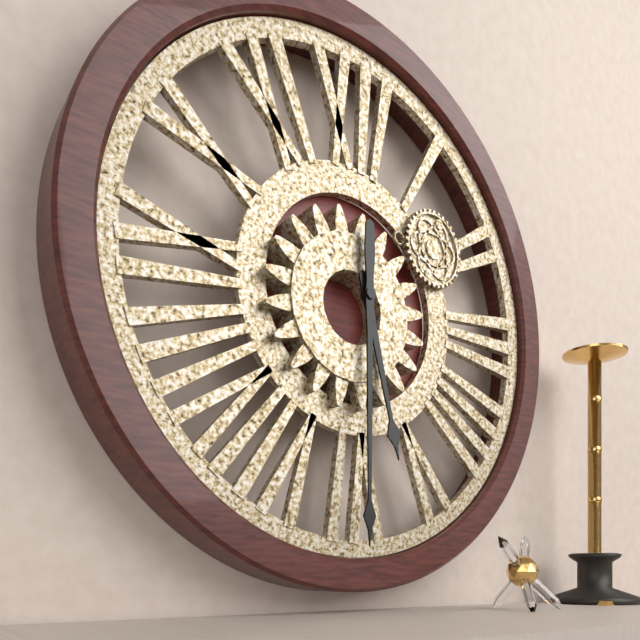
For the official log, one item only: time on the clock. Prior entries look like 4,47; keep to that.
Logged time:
5,30
